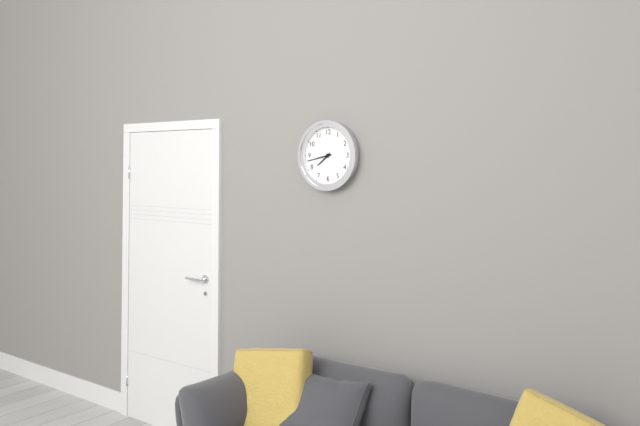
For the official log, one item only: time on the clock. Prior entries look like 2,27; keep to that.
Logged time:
7,43
